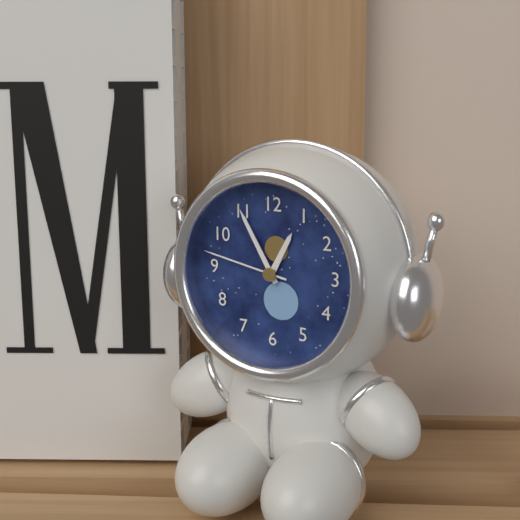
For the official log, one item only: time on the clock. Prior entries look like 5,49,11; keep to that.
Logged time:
12,55,47
